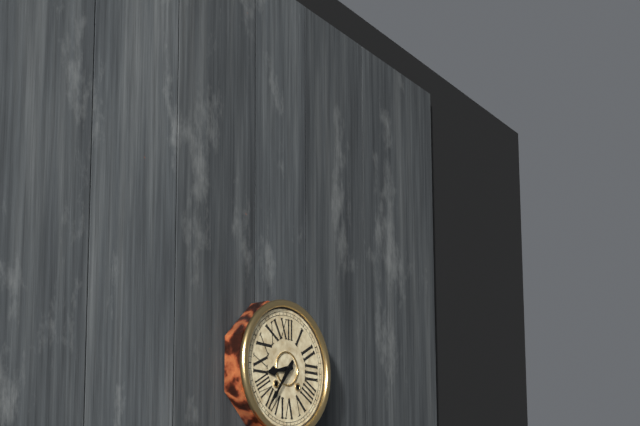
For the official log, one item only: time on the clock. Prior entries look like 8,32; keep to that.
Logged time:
8,36
